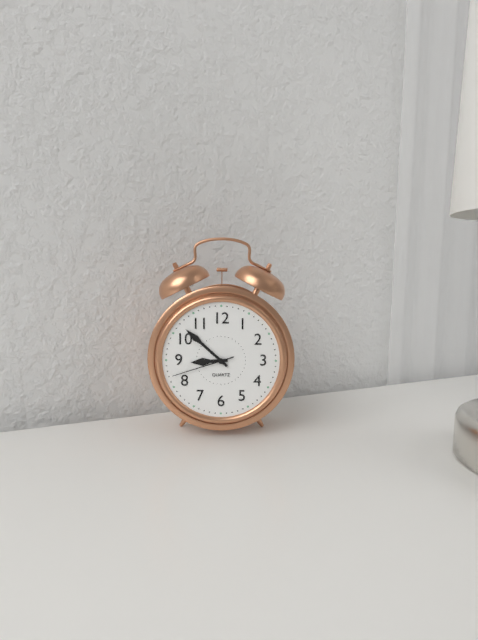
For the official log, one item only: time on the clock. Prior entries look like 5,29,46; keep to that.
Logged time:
8,52,42
